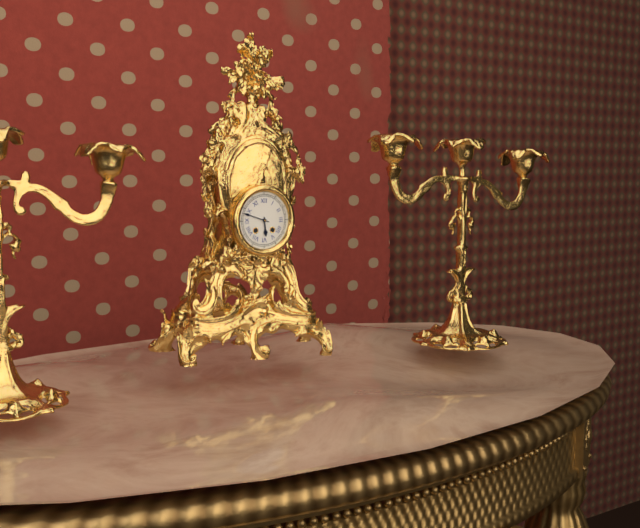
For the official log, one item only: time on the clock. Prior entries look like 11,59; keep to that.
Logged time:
5,48
